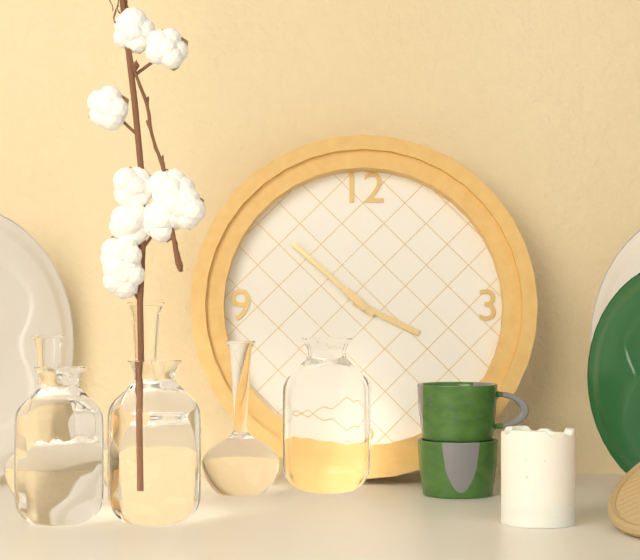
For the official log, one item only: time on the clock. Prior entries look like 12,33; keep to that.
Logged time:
3,52
